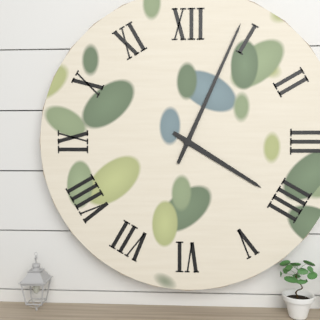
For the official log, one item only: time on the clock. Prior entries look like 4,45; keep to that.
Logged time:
4,04
